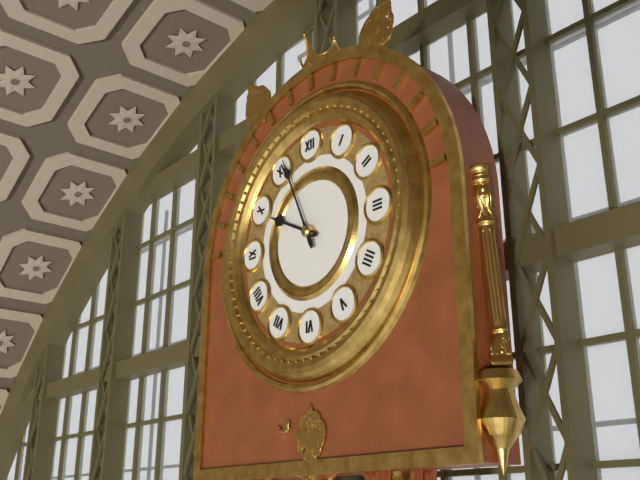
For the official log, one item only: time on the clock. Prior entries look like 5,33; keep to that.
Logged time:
9,56
